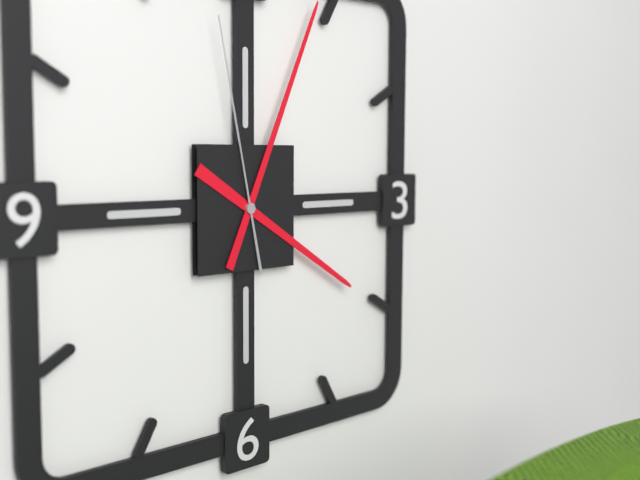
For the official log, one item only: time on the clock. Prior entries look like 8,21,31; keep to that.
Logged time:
4,04,58
